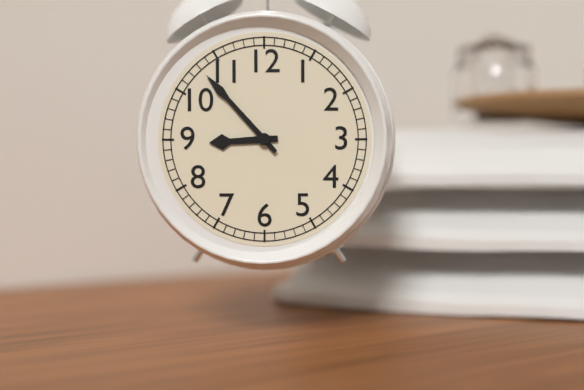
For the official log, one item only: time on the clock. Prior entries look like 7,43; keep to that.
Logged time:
8,53
